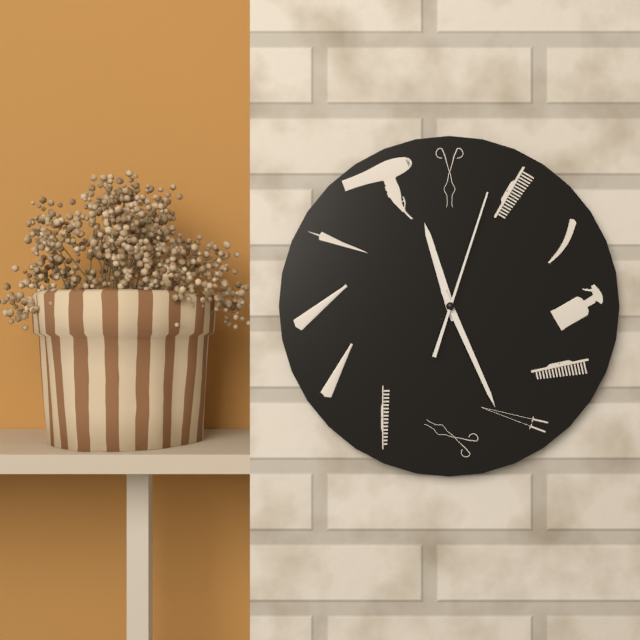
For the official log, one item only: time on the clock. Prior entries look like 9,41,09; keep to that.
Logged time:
11,26,03
